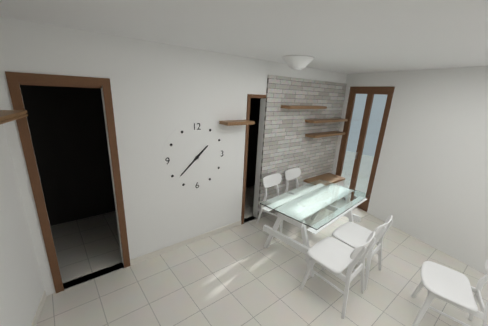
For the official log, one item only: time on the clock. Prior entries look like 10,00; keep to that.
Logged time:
1,38
